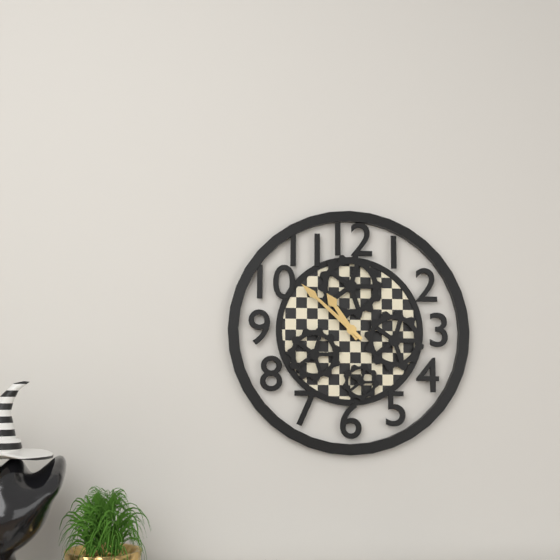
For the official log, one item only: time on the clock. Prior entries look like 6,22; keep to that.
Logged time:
10,52
